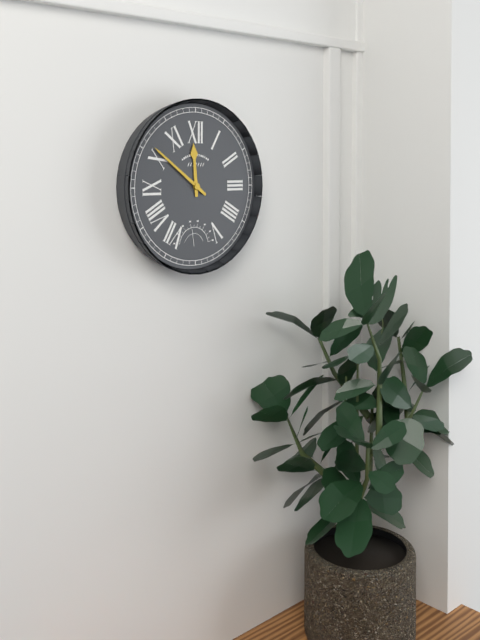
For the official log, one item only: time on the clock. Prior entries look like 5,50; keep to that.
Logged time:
11,51
